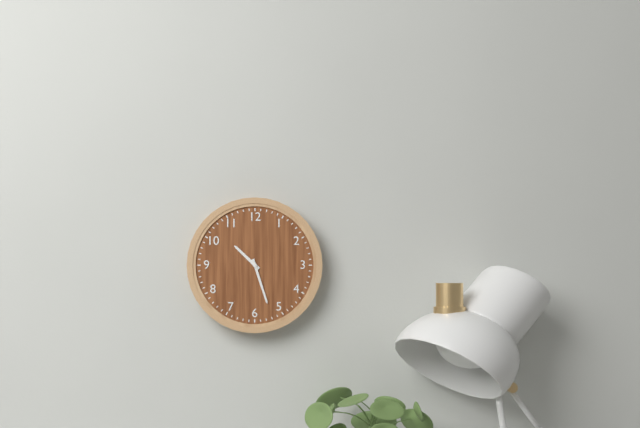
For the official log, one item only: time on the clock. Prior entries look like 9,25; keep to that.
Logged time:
10,27
